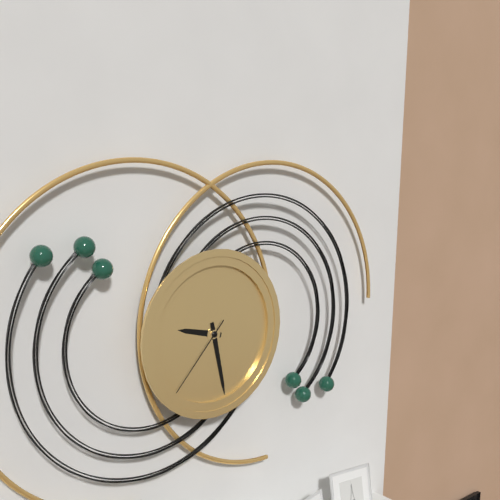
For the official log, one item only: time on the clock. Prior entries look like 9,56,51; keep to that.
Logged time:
9,28,37
